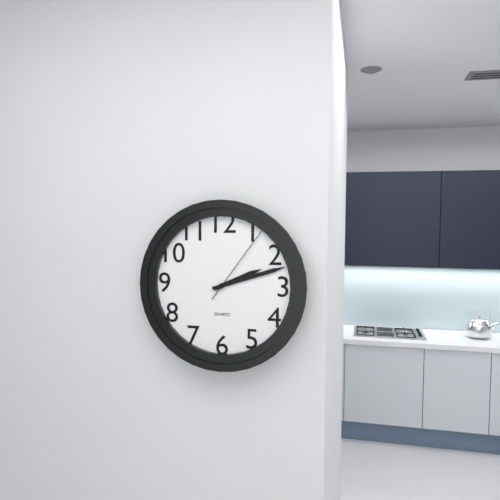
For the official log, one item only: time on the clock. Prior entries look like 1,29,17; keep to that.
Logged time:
2,12,06
